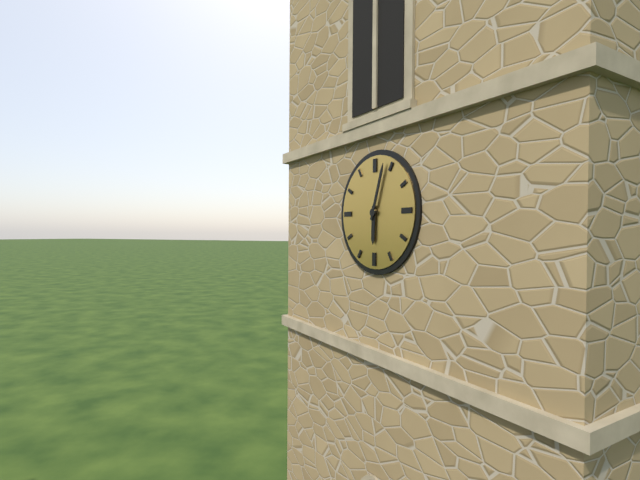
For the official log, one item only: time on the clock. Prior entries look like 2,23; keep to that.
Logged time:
6,03
